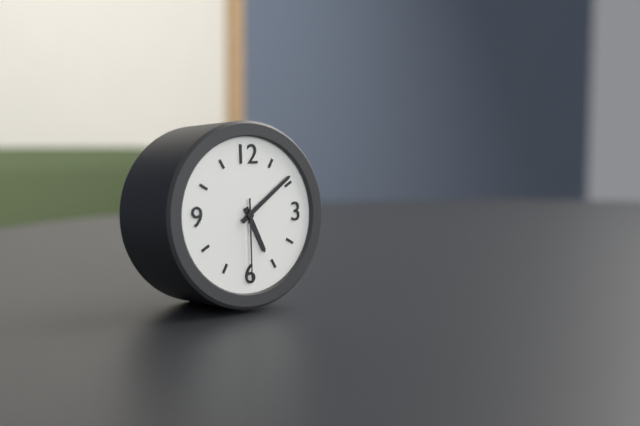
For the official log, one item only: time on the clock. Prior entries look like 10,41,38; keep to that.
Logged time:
5,09,30
